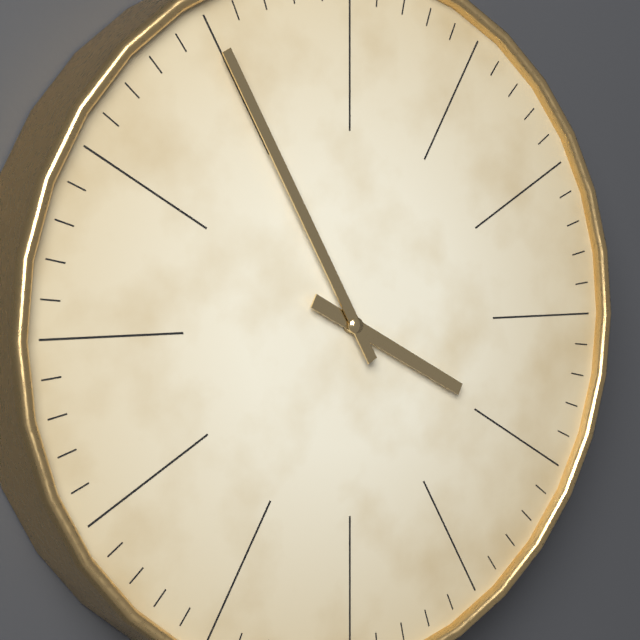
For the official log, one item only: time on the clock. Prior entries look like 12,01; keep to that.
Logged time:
3,55
